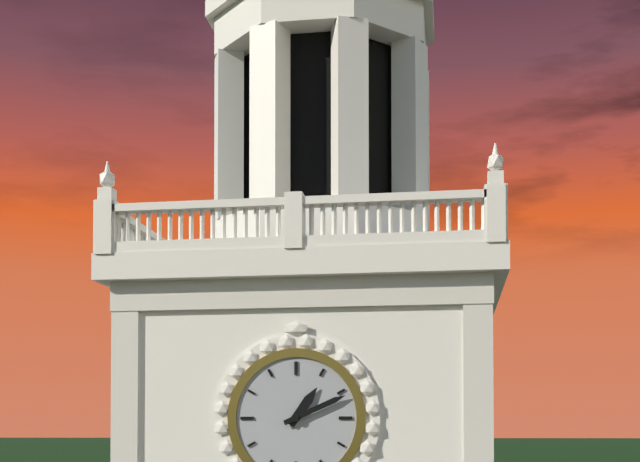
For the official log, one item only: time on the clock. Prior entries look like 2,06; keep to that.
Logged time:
1,11
